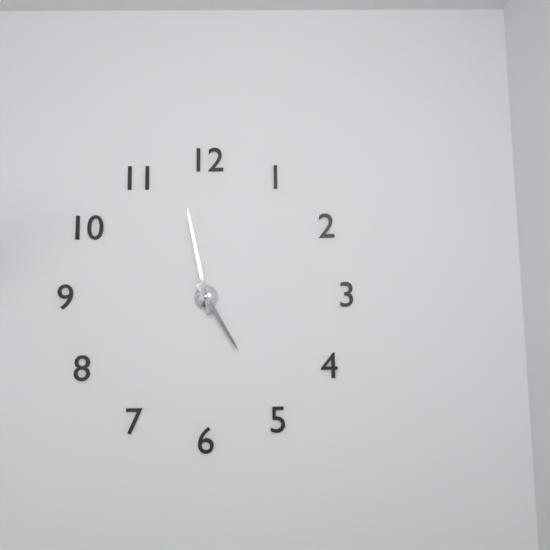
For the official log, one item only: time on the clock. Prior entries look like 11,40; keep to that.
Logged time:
4,58
